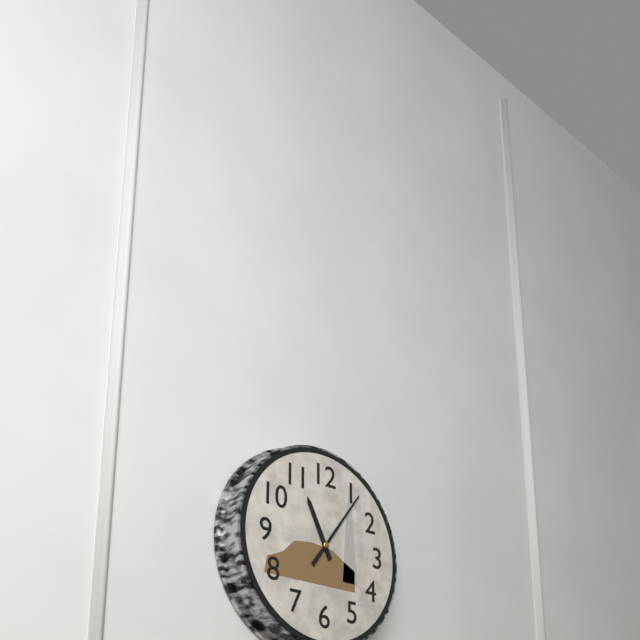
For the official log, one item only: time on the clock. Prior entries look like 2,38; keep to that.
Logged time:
11,06
